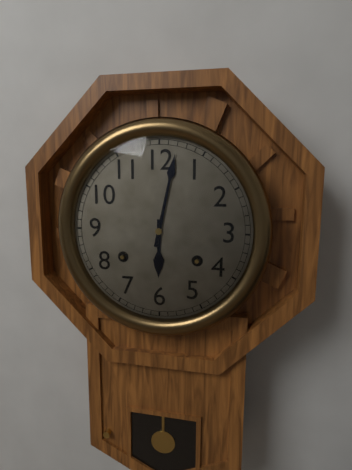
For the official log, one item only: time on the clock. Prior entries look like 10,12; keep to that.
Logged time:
6,02
